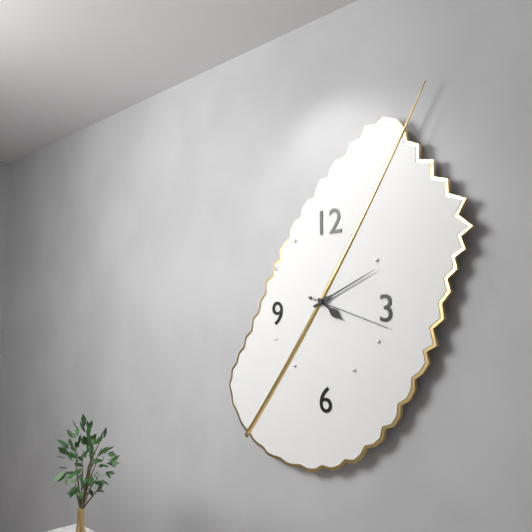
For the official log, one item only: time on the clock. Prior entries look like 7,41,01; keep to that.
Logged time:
4,11,18
